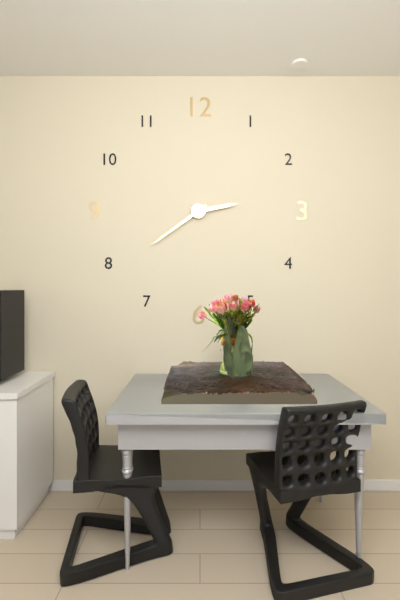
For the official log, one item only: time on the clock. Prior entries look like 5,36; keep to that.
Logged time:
2,39
